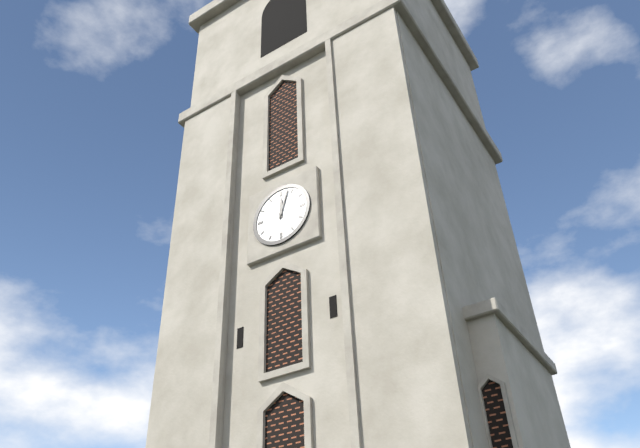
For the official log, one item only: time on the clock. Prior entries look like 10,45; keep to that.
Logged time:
12,03
